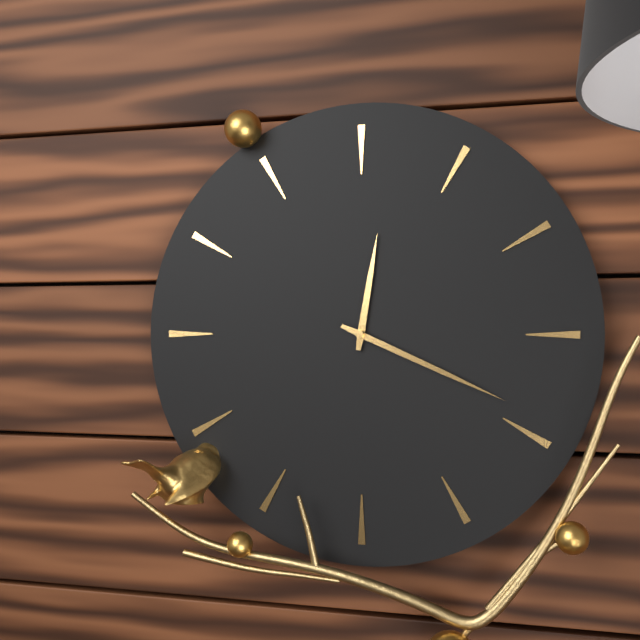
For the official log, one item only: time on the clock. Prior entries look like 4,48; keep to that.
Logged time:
12,19
